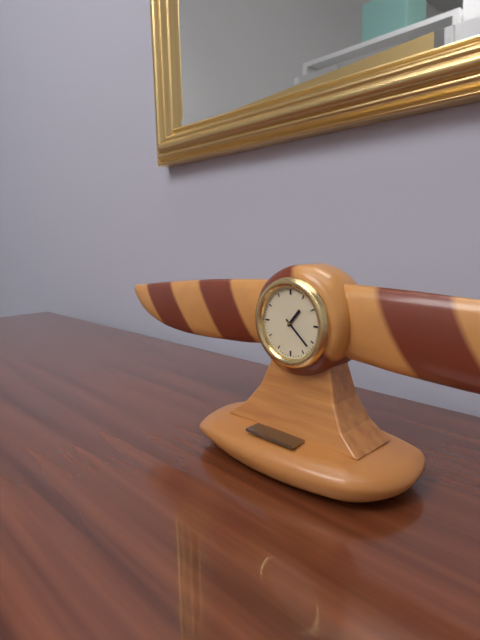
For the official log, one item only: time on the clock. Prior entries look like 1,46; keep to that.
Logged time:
1,22
